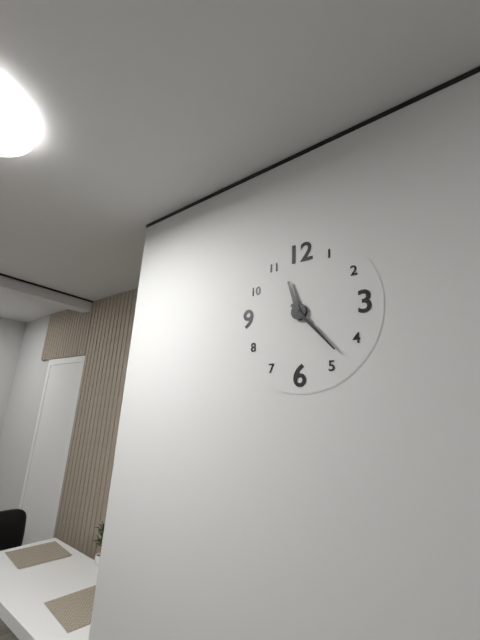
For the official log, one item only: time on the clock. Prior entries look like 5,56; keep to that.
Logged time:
11,23
